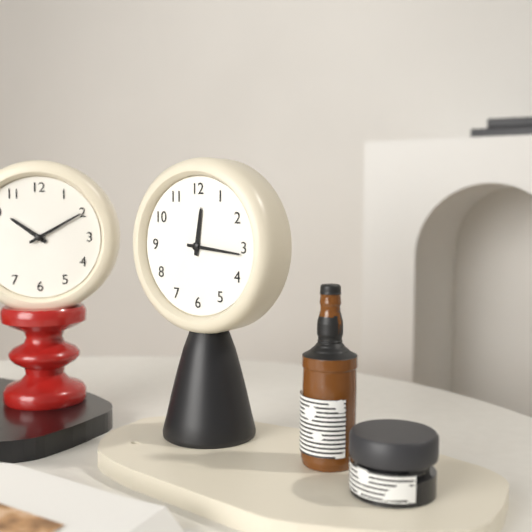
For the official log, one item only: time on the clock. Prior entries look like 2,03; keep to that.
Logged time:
12,16
